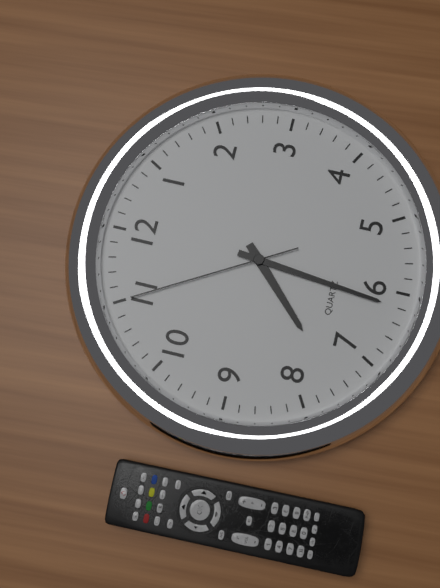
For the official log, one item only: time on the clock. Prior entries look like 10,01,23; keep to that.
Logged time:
7,31,55
